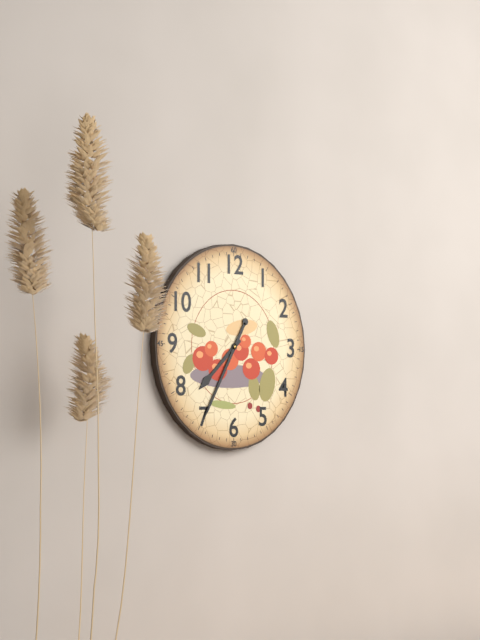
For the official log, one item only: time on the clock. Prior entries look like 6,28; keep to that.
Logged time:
7,35
